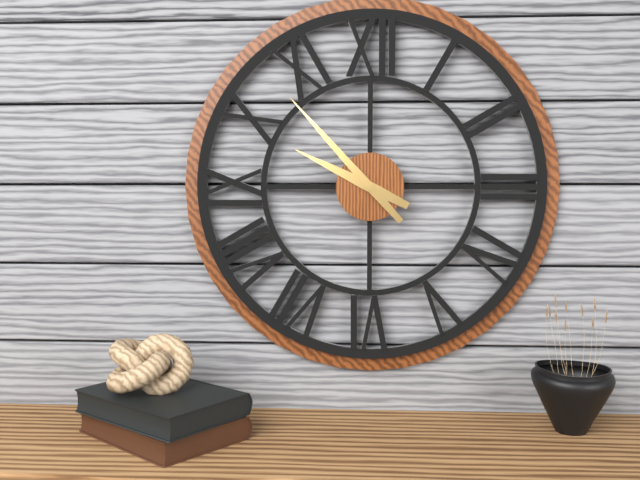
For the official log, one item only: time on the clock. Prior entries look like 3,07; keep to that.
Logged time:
9,53
